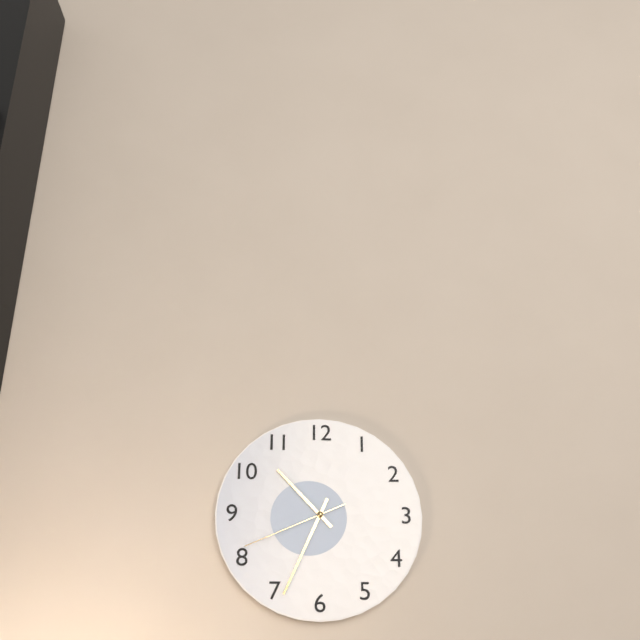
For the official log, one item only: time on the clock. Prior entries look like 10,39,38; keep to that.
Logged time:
10,34,41
